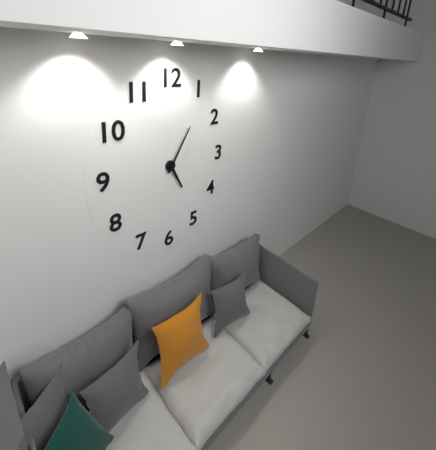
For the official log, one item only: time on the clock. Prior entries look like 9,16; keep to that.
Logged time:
5,05
